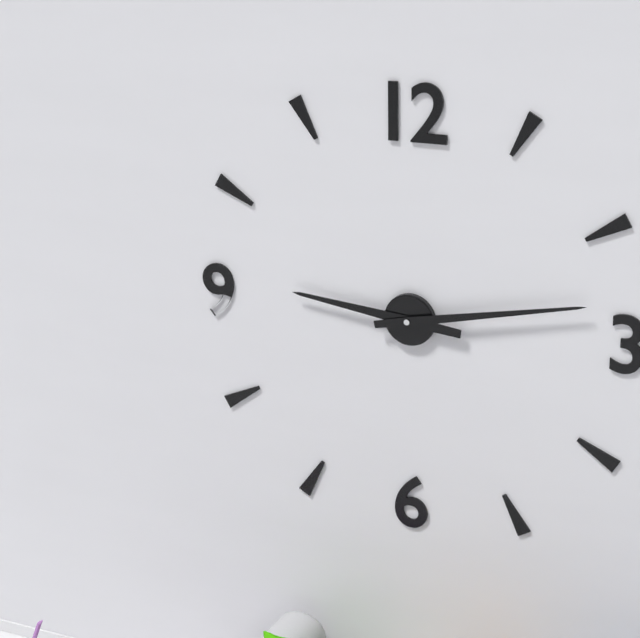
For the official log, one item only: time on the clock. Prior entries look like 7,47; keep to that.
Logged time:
9,13
